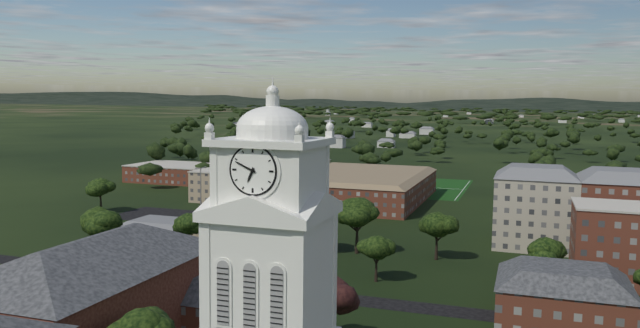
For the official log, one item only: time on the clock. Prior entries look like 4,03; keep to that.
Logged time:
6,49
